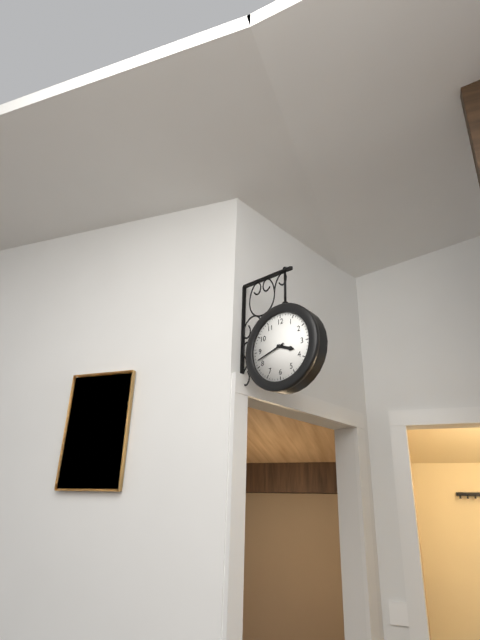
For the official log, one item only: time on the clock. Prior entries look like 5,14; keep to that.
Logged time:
3,42
